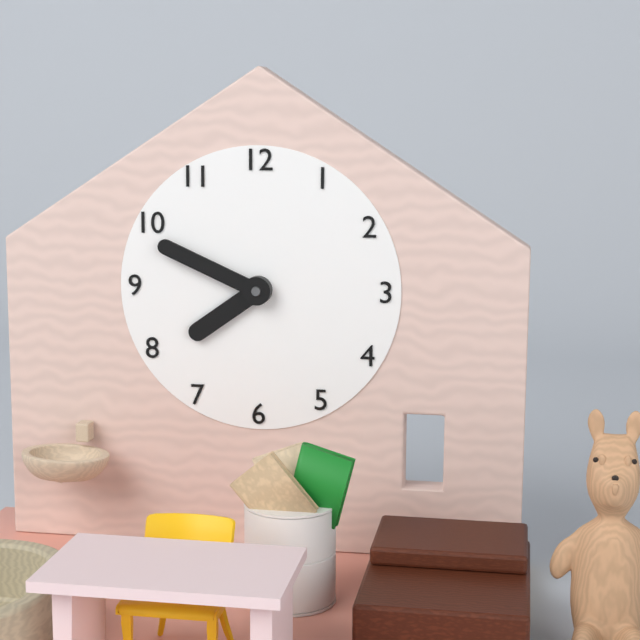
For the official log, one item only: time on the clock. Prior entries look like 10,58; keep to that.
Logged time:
7,49
